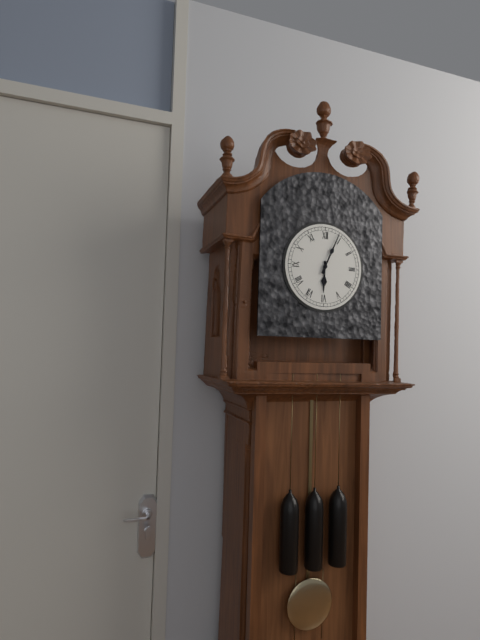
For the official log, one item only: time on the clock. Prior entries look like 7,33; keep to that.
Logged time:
6,04
